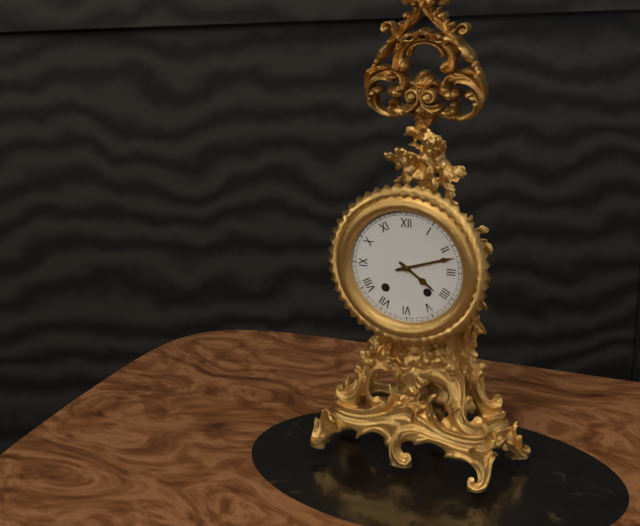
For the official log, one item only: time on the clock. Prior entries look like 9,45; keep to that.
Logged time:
4,12
